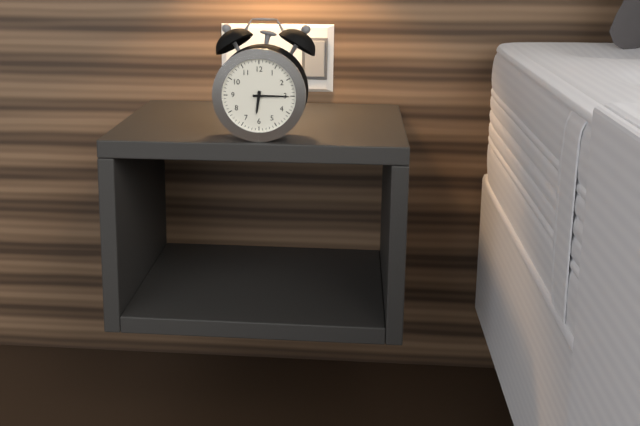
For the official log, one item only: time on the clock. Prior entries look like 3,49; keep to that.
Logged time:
6,15
